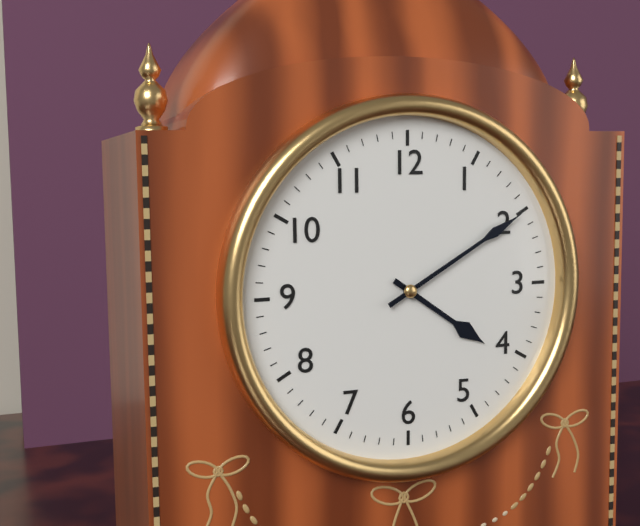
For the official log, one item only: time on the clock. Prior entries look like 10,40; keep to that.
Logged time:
4,10
